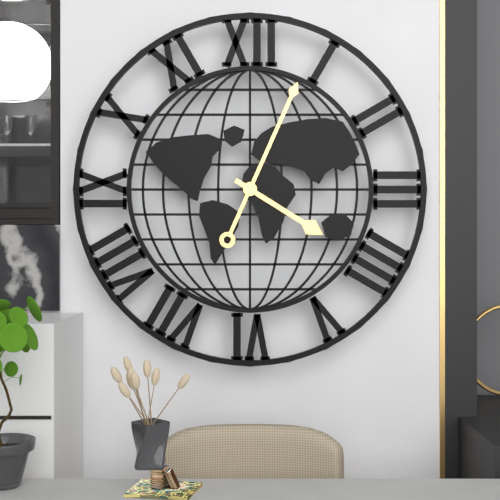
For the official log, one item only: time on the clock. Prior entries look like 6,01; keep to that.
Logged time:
4,04
